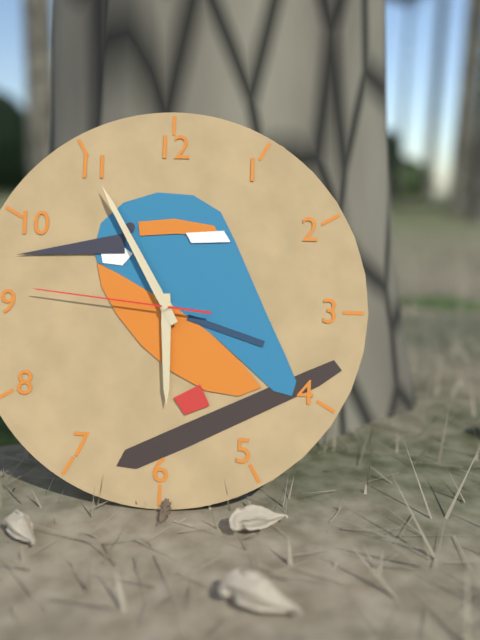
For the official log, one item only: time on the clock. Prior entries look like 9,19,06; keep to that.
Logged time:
5,55,46
